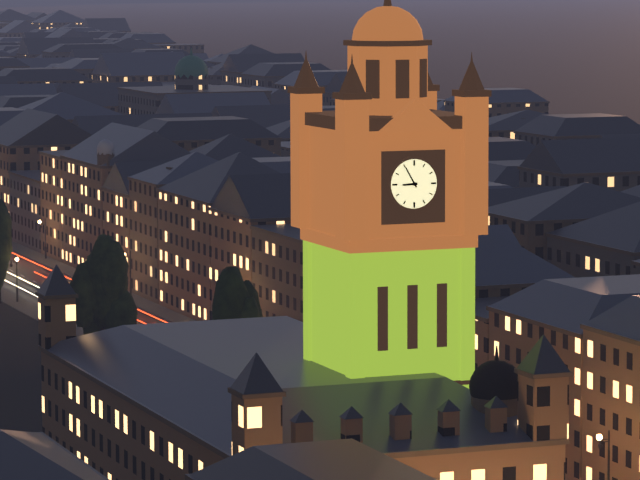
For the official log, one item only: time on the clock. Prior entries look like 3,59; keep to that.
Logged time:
8,55
